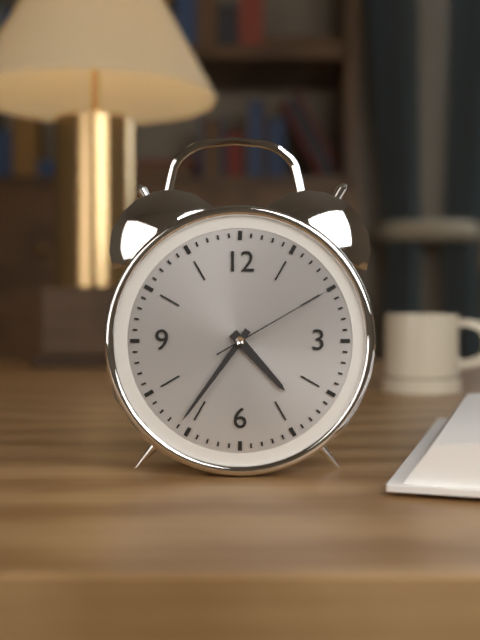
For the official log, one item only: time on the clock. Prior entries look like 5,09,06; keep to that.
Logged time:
4,36,10
